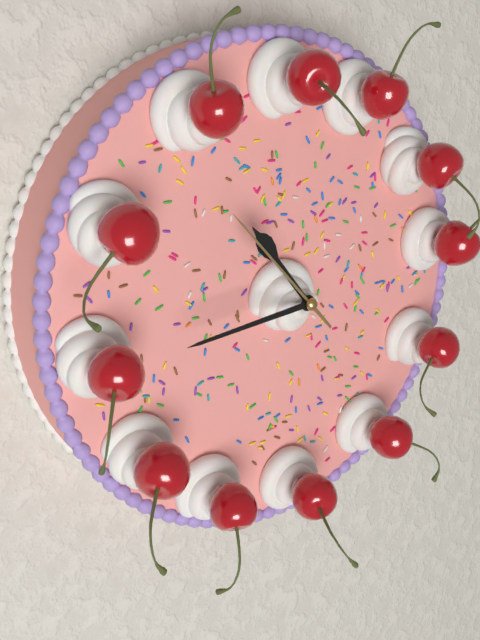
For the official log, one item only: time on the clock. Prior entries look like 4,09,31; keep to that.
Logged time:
10,44,53
